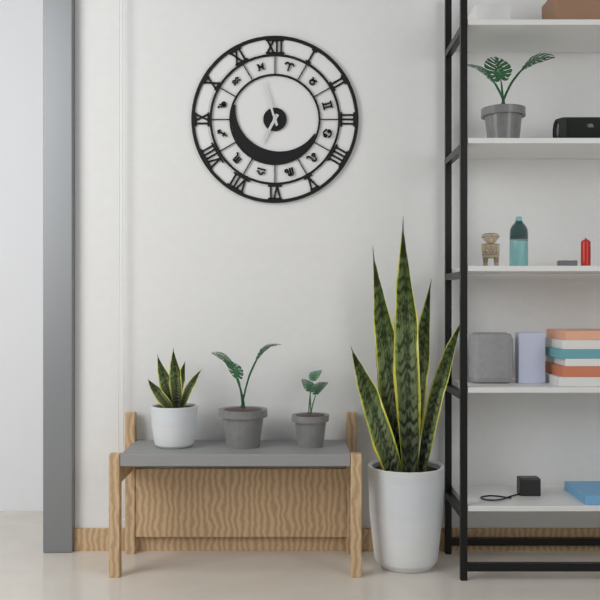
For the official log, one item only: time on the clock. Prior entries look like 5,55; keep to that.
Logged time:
6,57
